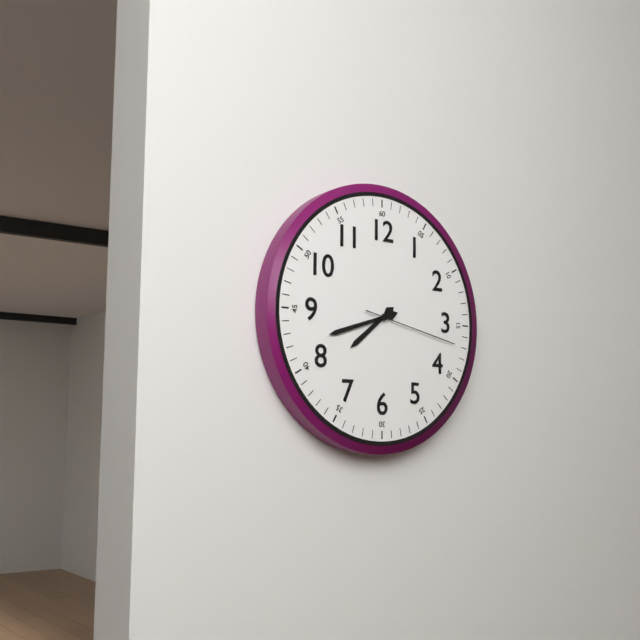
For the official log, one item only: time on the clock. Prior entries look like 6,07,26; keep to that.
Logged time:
7,42,17
